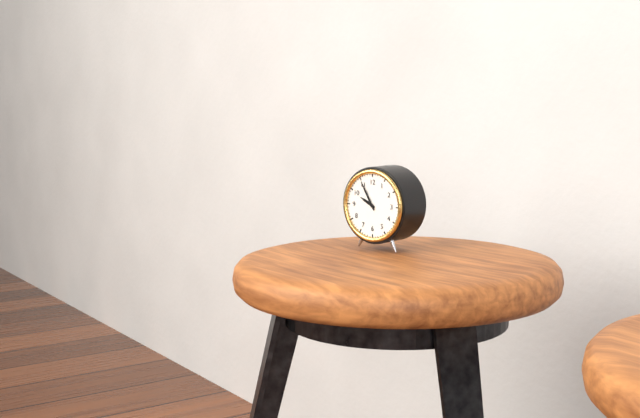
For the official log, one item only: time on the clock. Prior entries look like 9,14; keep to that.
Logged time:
9,55
